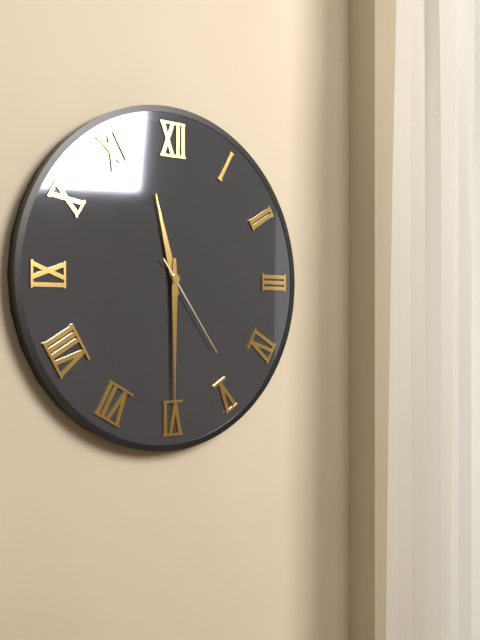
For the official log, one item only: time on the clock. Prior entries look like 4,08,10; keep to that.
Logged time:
11,30,24
